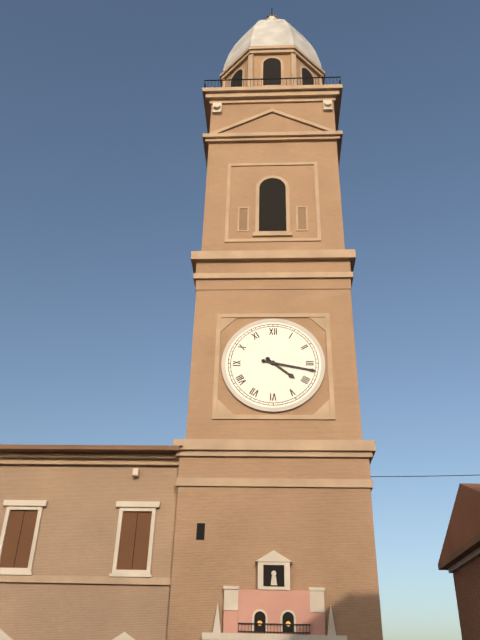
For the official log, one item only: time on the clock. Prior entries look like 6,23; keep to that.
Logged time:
4,17
